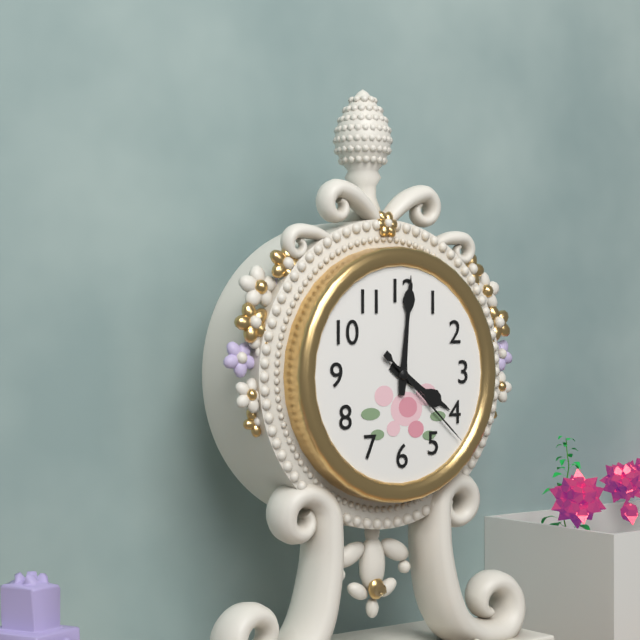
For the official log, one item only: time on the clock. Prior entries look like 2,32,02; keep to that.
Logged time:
4,01,22
